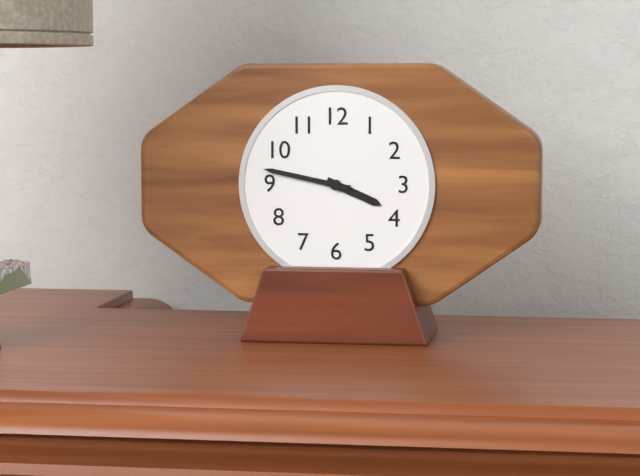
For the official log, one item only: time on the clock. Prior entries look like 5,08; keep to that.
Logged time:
3,47
